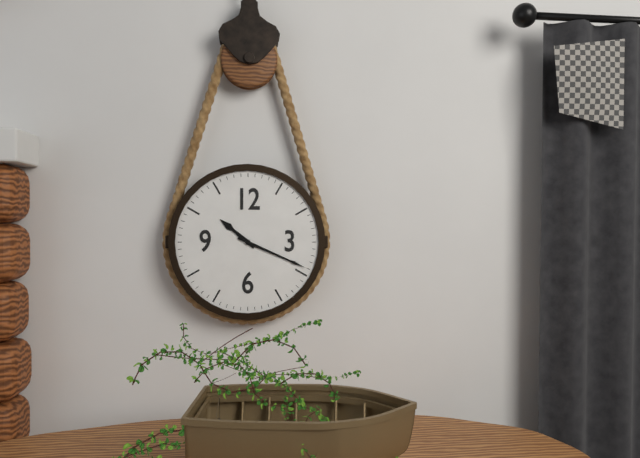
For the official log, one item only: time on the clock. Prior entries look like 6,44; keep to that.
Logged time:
10,19
